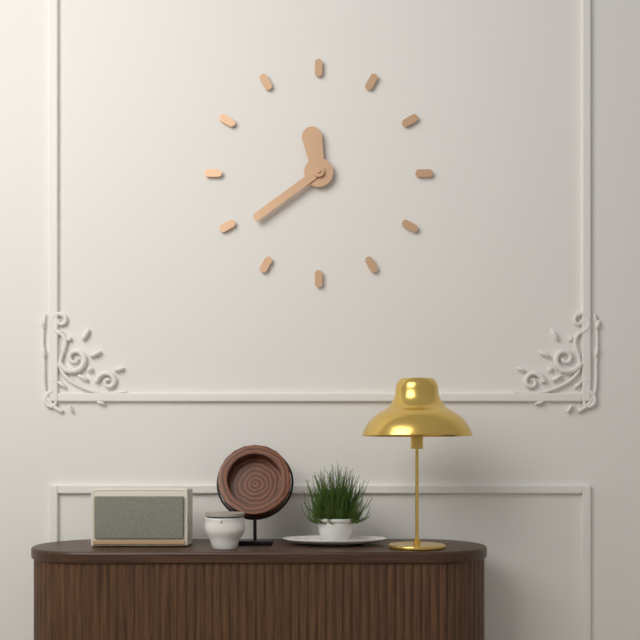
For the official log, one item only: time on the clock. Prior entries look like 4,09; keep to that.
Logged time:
11,39
